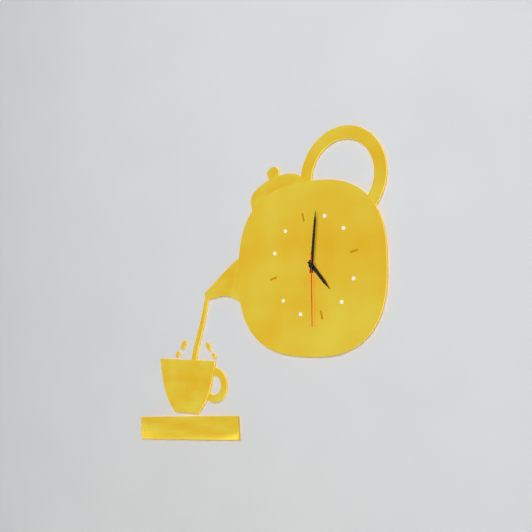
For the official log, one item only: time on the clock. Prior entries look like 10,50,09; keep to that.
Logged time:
5,03,32
